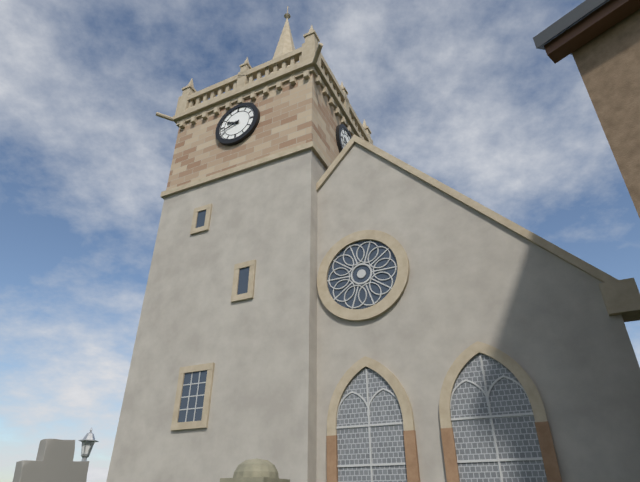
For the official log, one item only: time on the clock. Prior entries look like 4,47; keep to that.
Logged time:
9,42
